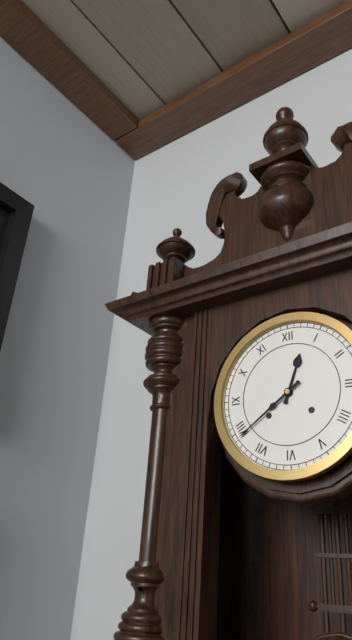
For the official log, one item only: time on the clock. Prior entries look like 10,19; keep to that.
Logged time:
12,39
